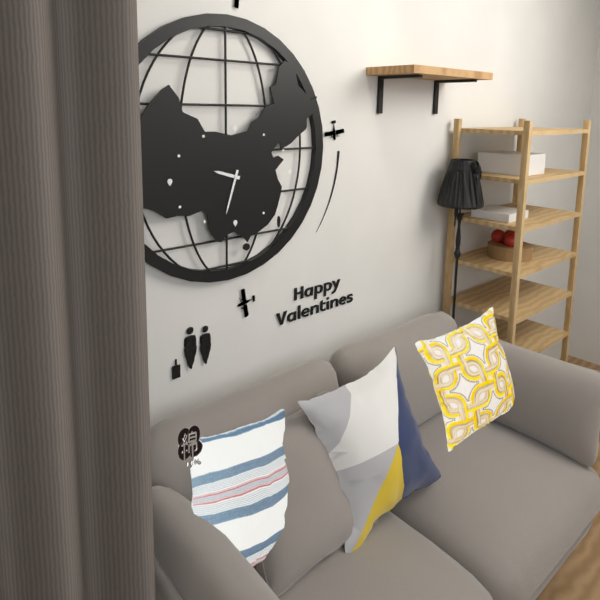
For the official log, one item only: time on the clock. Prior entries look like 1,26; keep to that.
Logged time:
9,33
